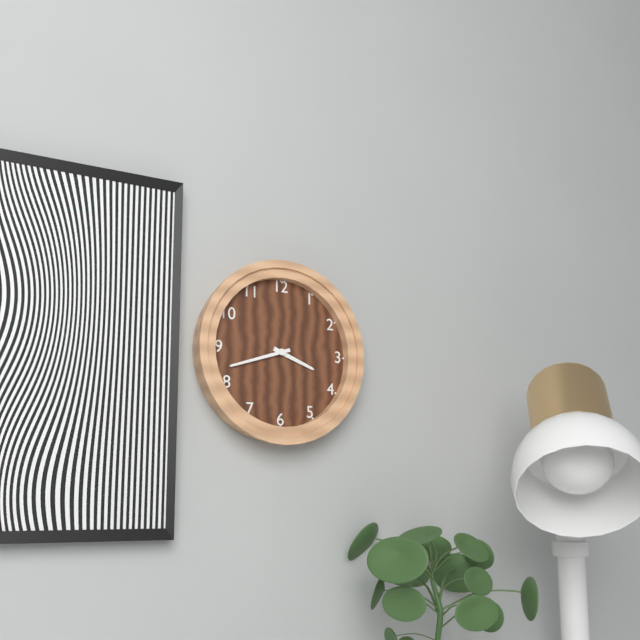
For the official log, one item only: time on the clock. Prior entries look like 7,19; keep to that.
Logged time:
3,42
